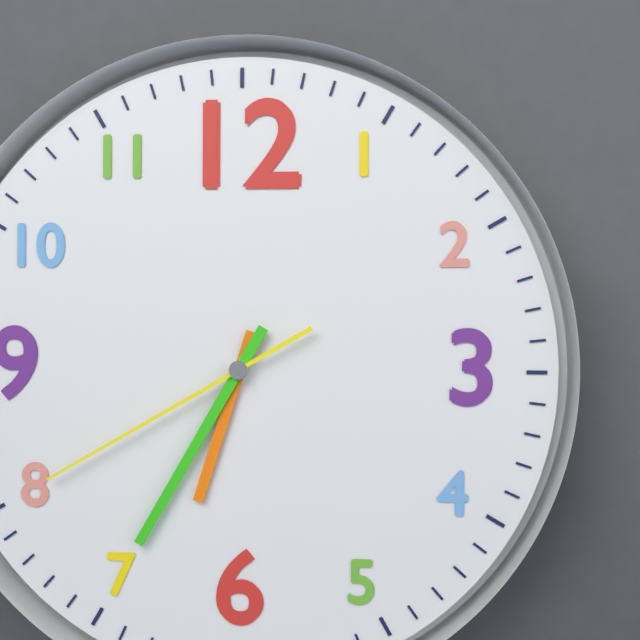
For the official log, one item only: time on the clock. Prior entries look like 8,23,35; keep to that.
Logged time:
6,35,40
